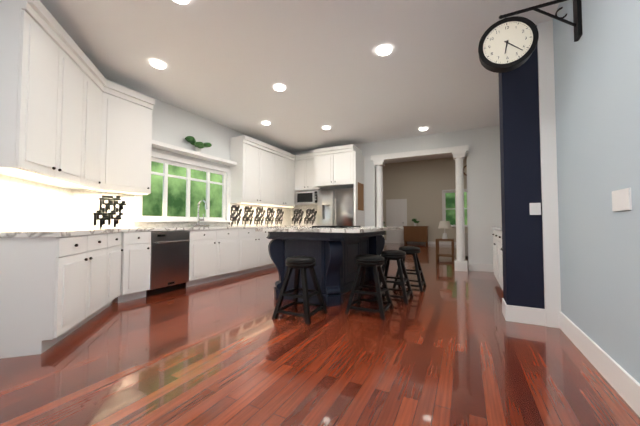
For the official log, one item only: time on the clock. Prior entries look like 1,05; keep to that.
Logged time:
6,22
